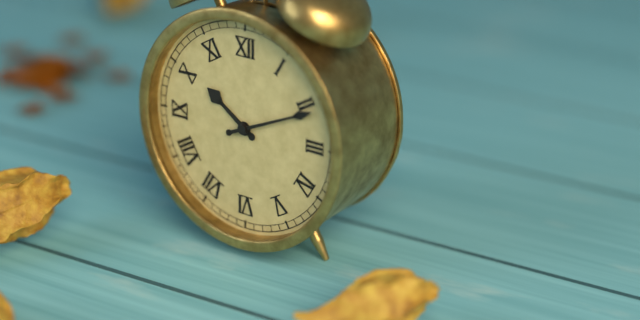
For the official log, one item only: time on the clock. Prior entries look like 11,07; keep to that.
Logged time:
10,11
